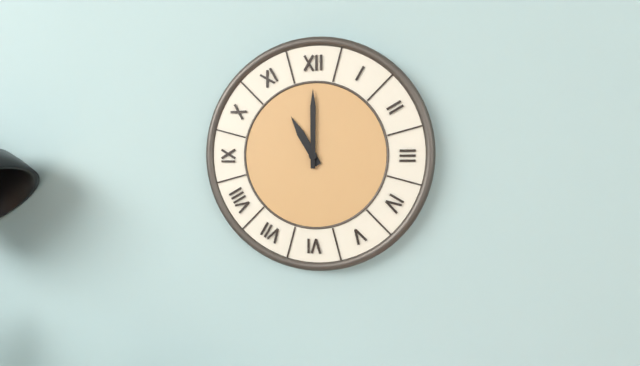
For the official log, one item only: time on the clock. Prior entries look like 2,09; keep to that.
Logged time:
11,00
